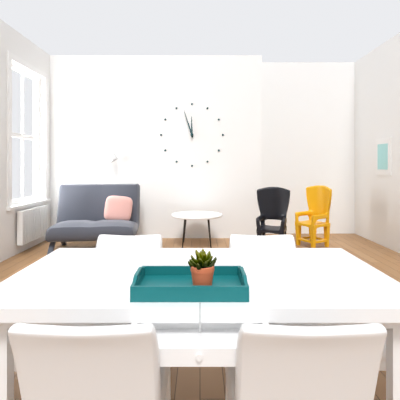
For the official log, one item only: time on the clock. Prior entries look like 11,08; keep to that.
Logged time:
11,57
